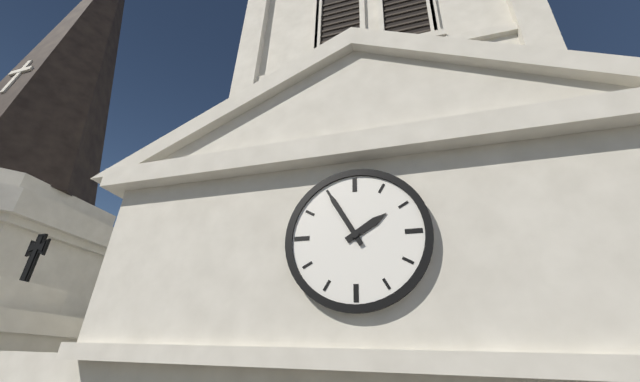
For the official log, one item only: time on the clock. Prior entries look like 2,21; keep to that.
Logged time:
1,55
